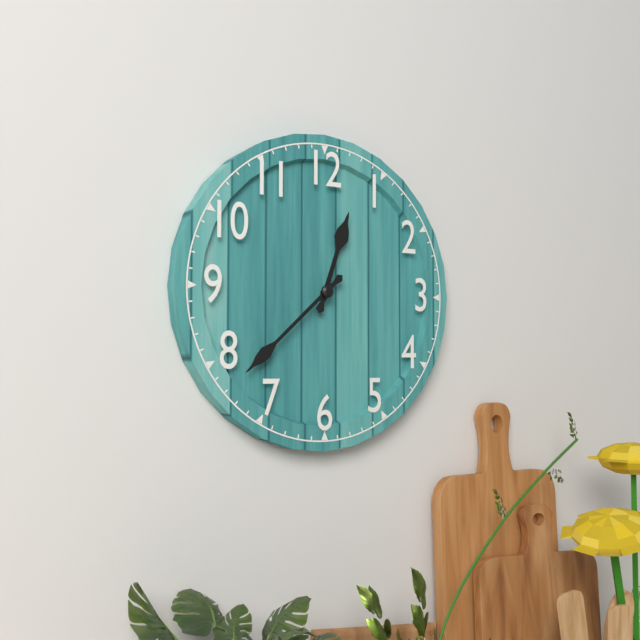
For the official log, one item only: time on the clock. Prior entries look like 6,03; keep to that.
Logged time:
12,38
